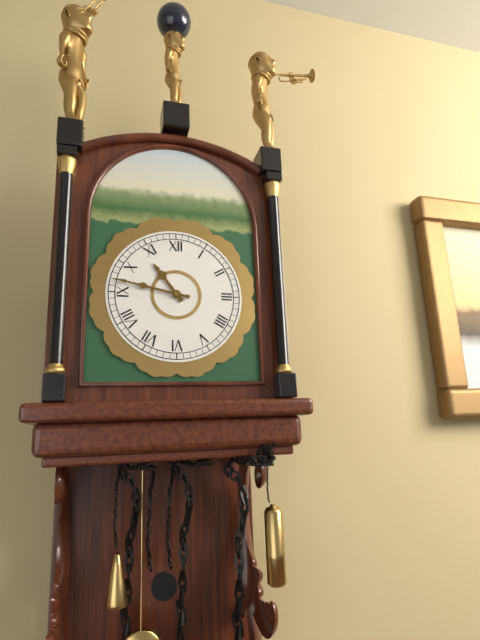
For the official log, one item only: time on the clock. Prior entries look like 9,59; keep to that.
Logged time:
10,47
